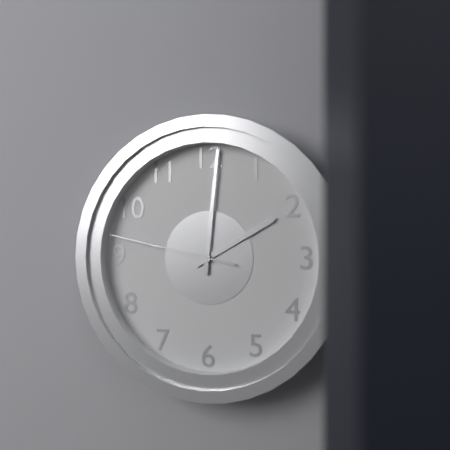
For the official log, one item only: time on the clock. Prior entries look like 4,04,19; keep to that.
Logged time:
2,01,47
